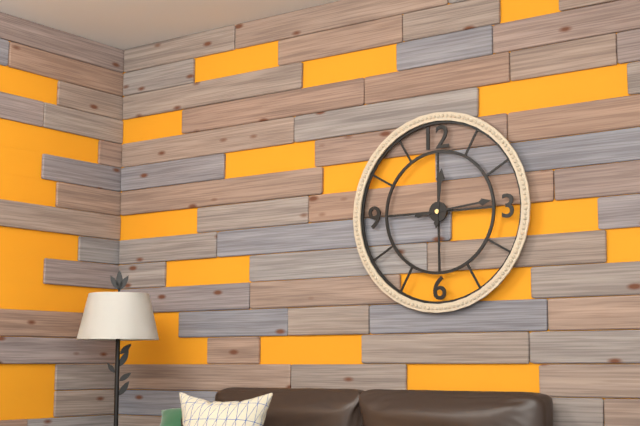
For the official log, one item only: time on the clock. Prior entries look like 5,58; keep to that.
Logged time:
12,14
